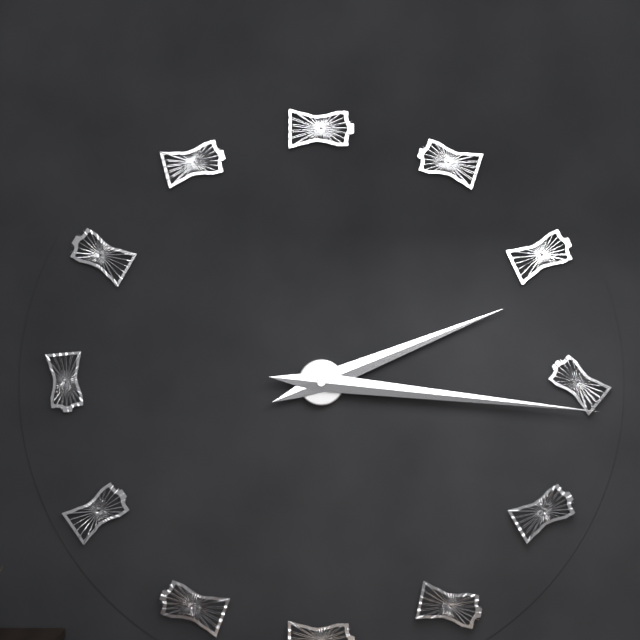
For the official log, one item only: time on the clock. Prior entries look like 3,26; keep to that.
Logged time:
2,16
